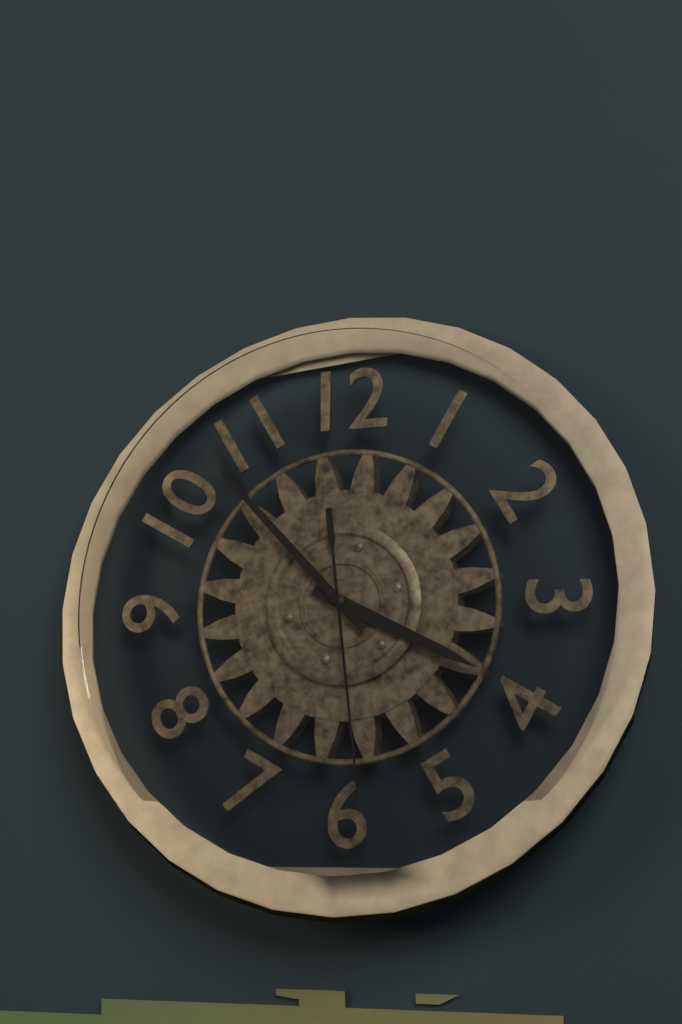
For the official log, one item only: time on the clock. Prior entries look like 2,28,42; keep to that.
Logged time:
3,53,29
